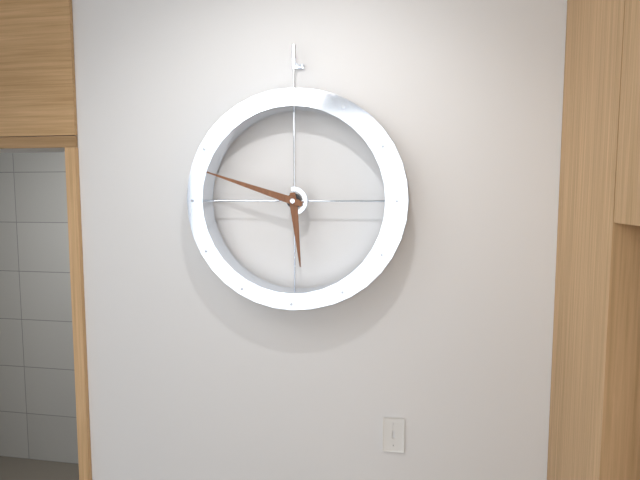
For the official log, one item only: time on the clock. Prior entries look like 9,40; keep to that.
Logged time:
5,48
